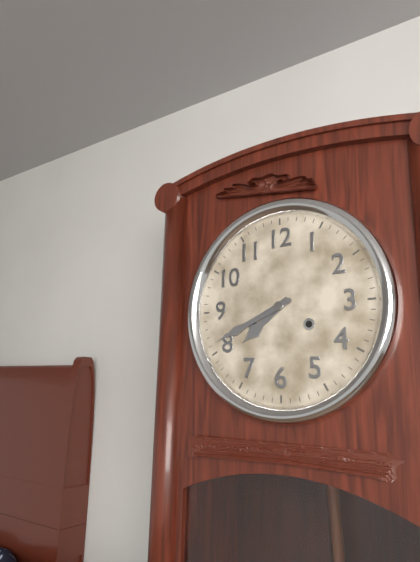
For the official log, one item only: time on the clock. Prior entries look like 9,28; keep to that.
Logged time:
7,41
